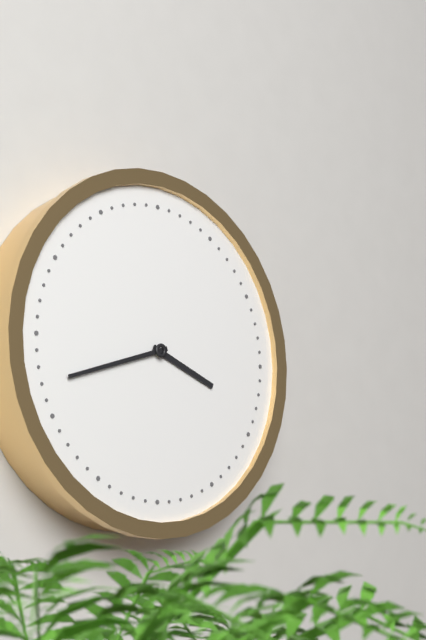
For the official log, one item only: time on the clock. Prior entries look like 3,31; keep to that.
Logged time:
3,42
